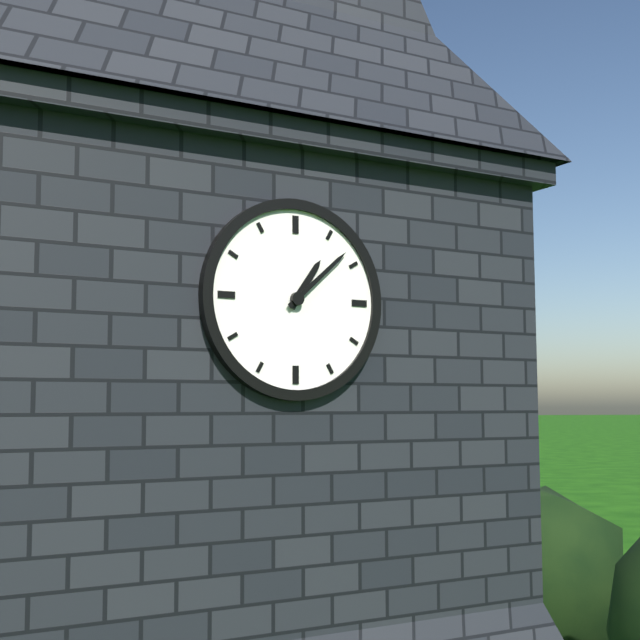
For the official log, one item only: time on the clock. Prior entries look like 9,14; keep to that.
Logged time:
1,08
